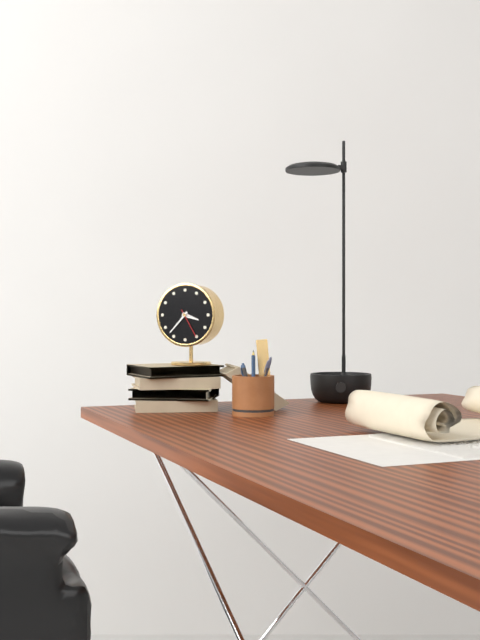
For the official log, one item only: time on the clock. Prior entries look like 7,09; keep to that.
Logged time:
3,37
